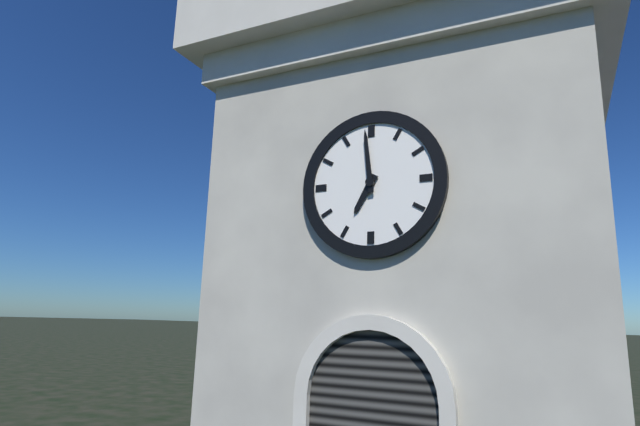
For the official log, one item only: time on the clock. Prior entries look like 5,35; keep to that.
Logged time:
6,59
